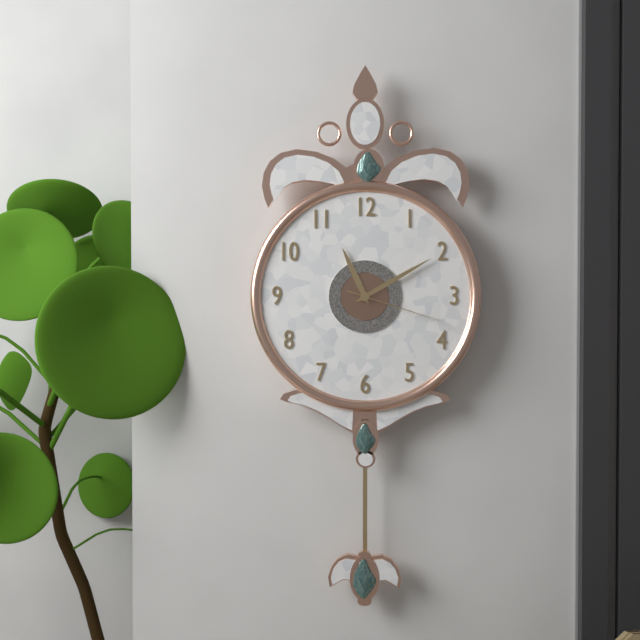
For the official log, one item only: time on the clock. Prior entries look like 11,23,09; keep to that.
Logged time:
11,10,18
